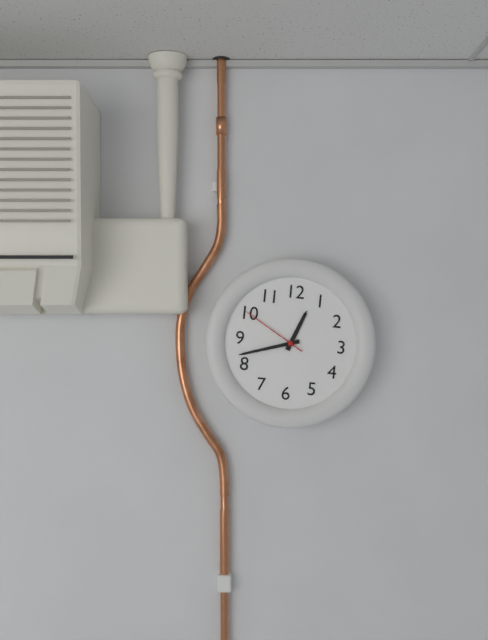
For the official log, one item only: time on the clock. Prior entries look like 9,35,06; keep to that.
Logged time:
12,42,50
